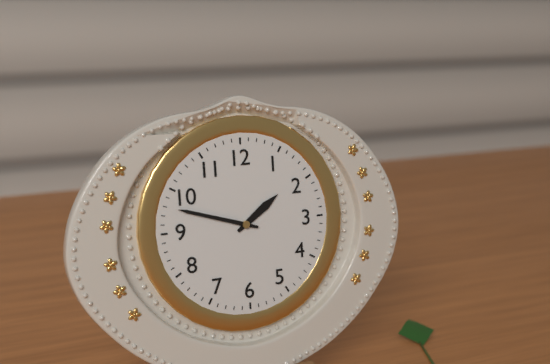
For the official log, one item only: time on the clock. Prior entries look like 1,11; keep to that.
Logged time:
1,48
